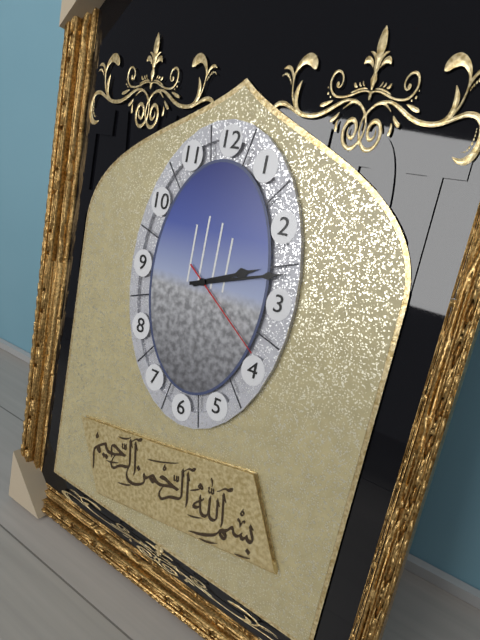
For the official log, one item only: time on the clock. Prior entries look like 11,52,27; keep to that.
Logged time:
2,12,21
